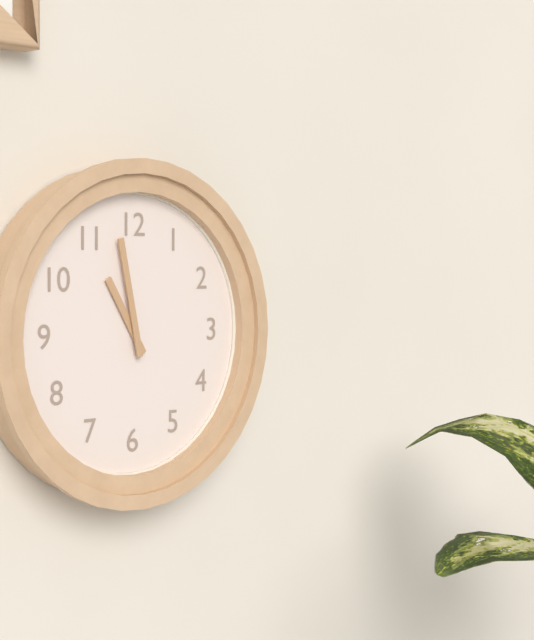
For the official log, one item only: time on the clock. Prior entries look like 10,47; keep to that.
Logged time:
10,58
